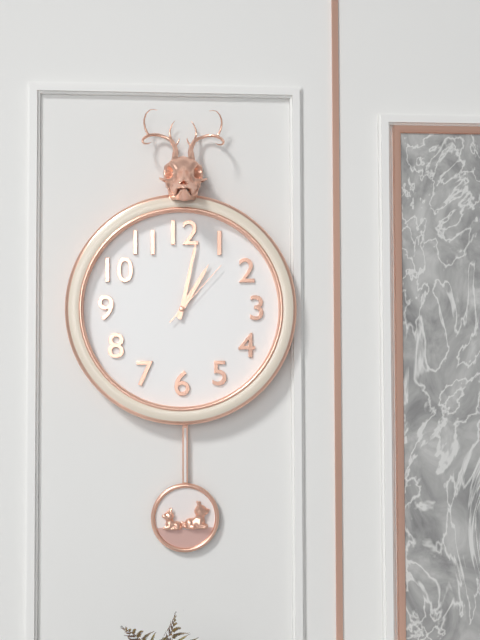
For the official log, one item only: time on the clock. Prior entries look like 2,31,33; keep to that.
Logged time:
1,02,07
